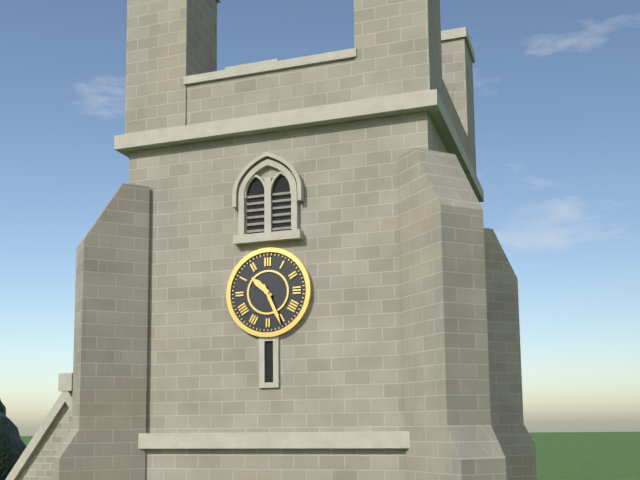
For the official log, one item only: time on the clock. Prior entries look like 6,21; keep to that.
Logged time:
10,26
